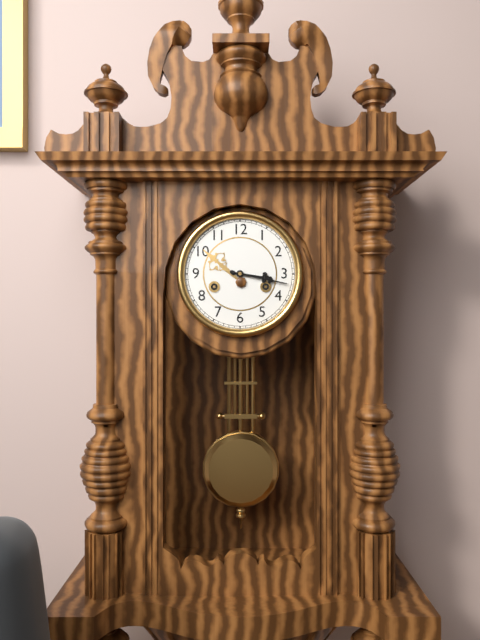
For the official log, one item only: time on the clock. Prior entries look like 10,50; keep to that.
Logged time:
3,17
